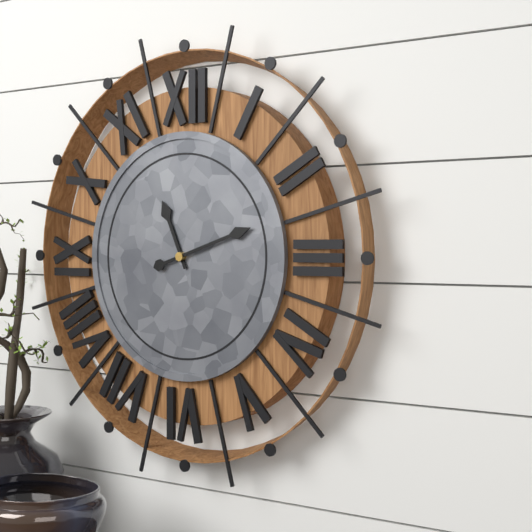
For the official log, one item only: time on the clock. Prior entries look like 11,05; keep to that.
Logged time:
11,12
